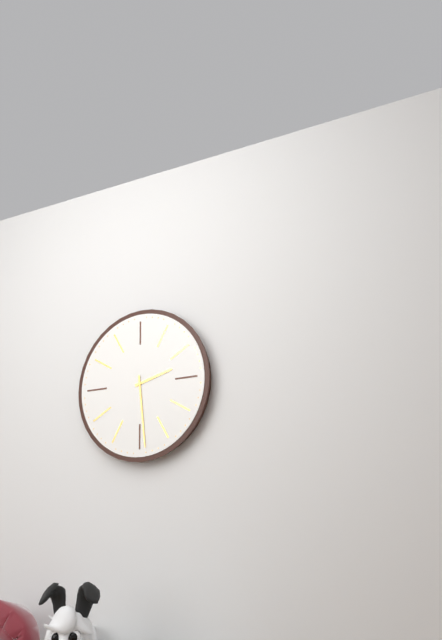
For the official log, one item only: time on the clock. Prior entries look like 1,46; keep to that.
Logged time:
2,29
